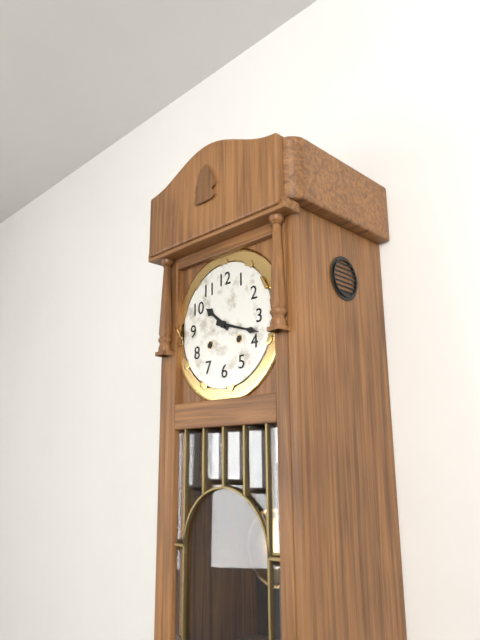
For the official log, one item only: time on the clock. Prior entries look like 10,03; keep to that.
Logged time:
10,18
